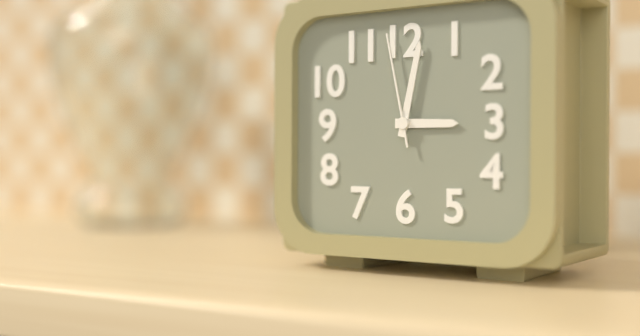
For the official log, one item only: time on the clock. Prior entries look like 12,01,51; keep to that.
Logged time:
3,02,58
